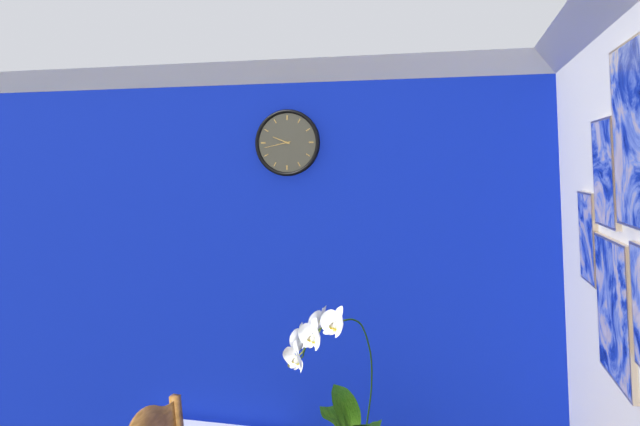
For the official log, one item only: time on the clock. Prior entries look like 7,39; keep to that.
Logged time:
9,43
